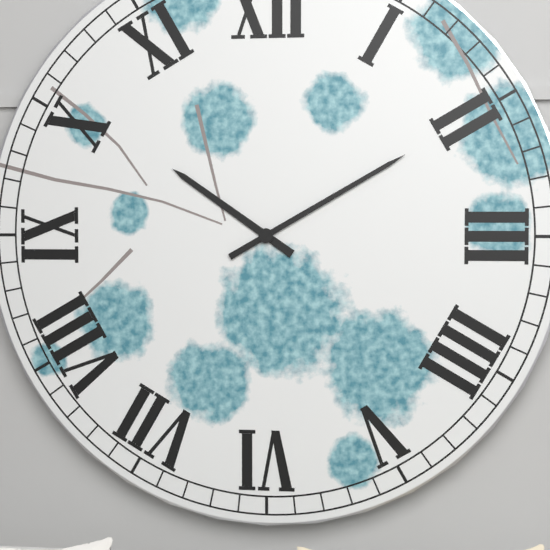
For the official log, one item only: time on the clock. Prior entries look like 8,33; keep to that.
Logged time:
10,10
